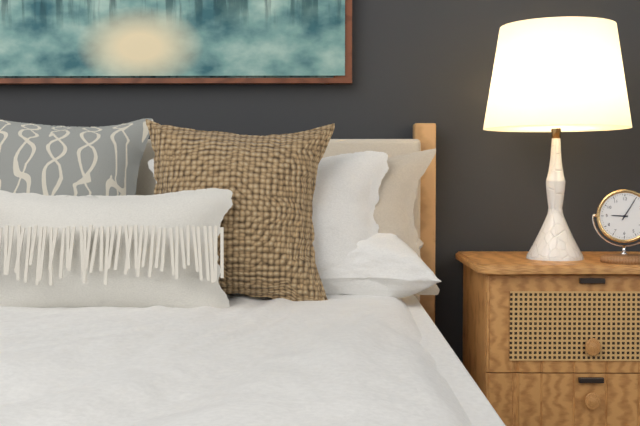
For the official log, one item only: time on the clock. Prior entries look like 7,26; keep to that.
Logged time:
9,05
